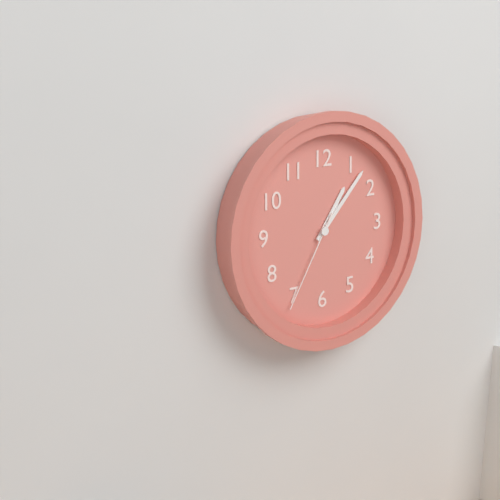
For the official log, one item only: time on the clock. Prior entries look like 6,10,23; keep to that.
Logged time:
1,07,35
